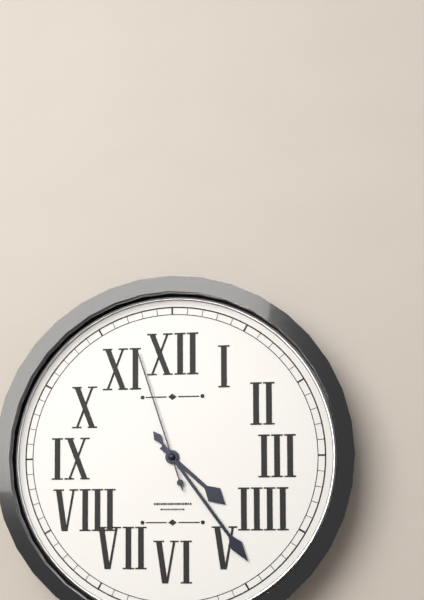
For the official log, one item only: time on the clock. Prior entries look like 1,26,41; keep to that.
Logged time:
4,24,57
